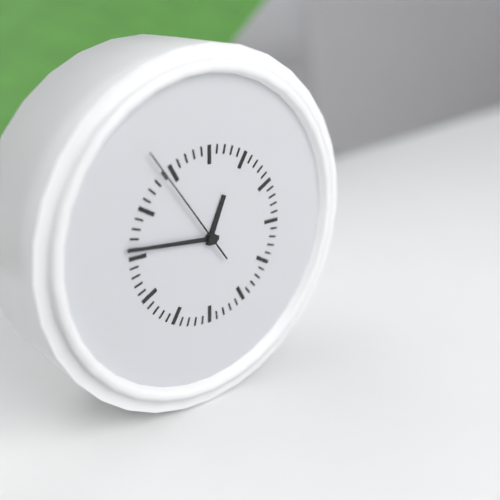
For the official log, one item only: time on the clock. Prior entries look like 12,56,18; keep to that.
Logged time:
12,46,54
